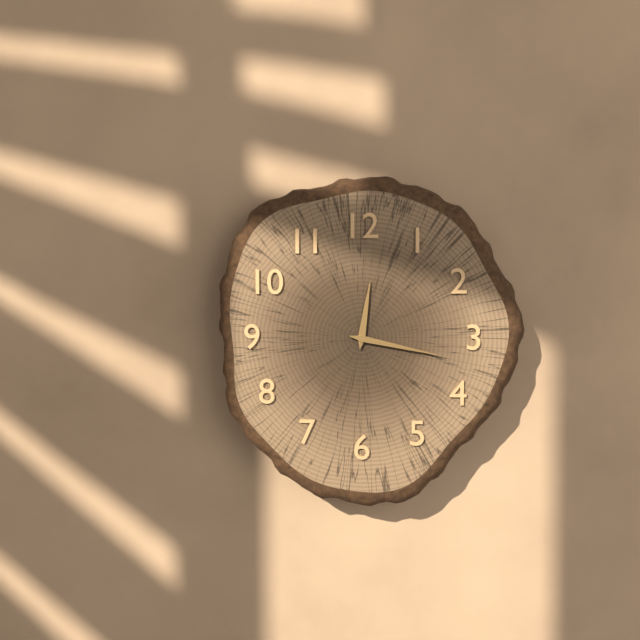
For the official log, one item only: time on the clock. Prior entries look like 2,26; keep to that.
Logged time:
12,17
